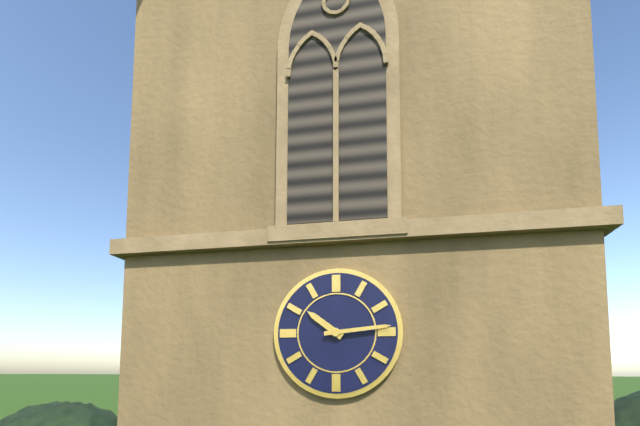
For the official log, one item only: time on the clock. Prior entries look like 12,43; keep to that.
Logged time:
10,14
